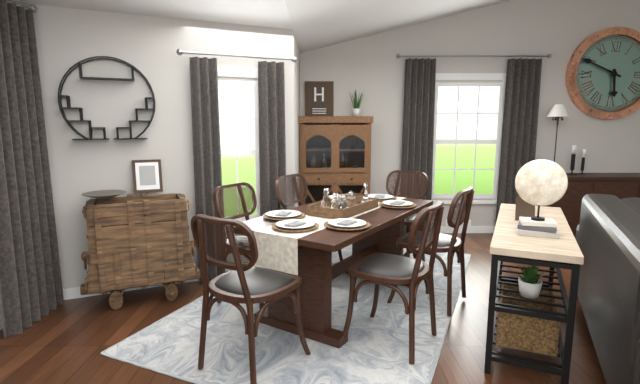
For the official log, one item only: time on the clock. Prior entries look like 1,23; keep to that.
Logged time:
5,49
